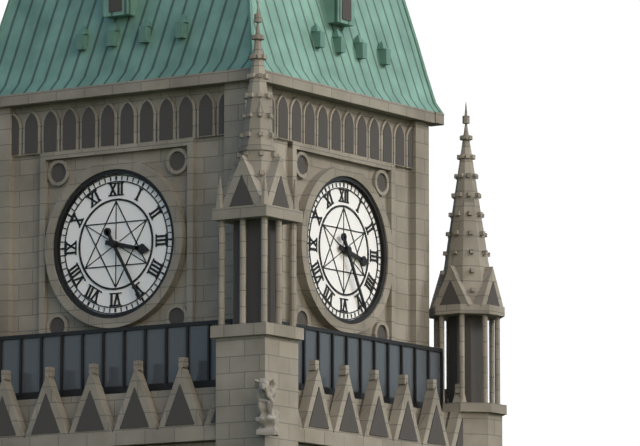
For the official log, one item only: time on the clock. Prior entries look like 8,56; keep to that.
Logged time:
3,25
